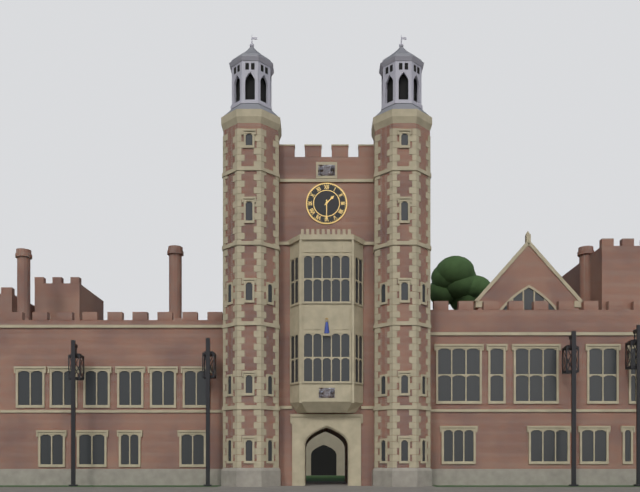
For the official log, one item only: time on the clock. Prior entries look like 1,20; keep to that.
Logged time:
1,30
